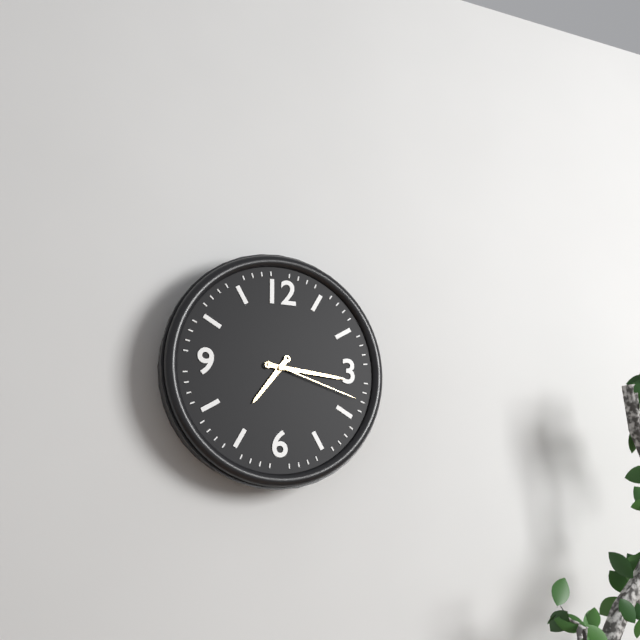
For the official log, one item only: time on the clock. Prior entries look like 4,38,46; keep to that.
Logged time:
7,16,18
